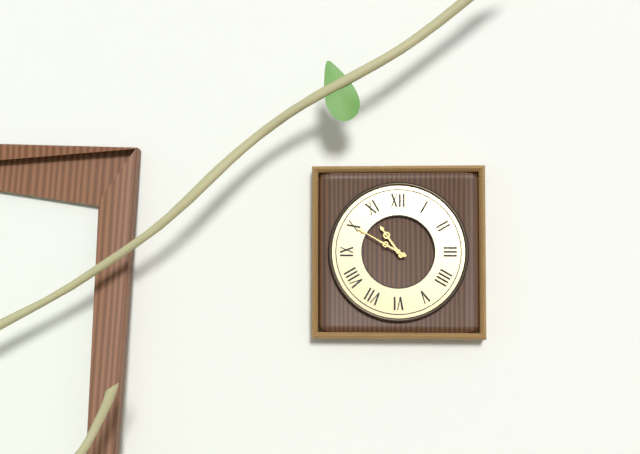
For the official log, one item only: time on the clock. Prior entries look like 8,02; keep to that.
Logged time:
10,50
